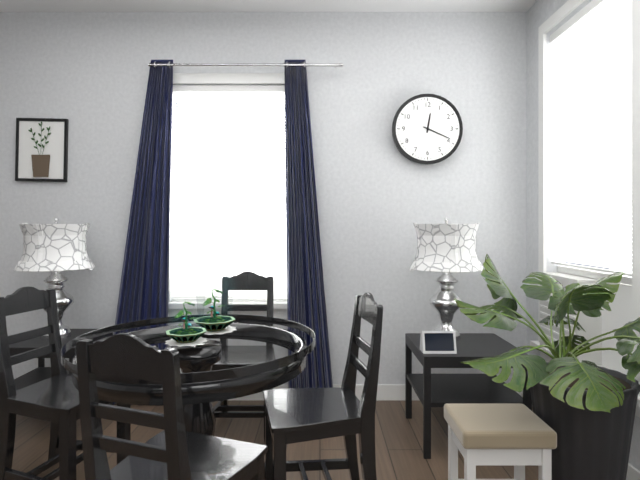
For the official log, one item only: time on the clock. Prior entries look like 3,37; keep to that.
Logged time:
12,19
